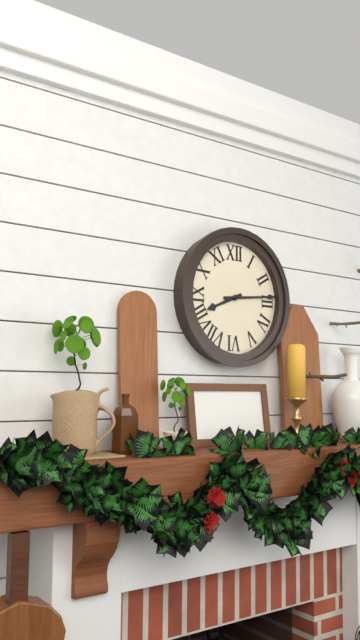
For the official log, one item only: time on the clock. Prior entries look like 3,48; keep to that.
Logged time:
8,14
